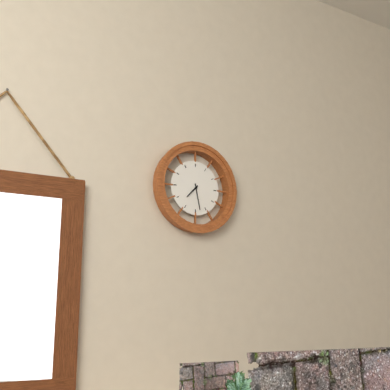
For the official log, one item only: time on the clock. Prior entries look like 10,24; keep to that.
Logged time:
7,28
